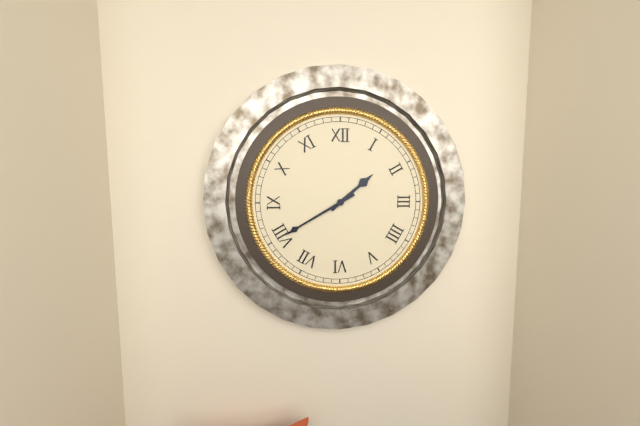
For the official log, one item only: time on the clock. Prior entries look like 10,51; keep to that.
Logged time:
1,40
